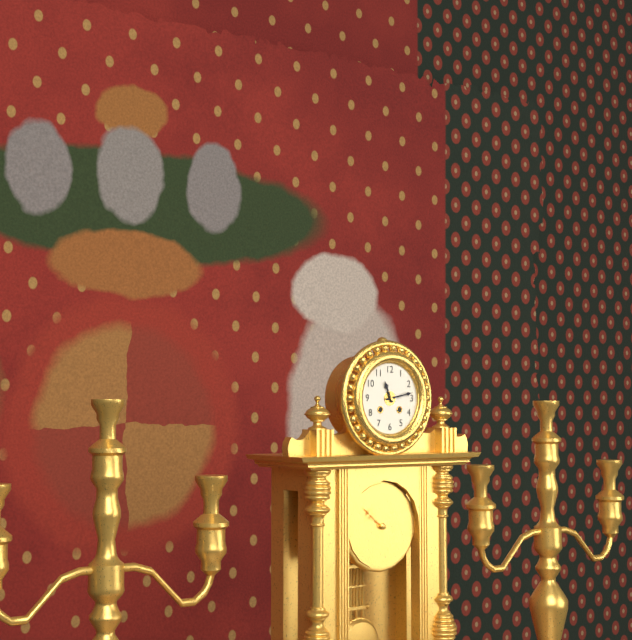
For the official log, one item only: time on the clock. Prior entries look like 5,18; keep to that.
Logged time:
11,13
